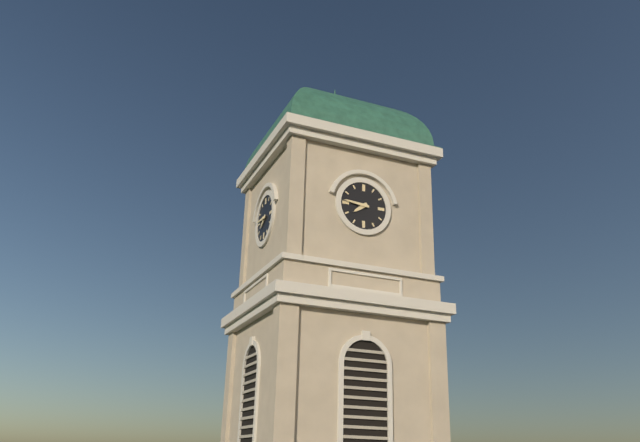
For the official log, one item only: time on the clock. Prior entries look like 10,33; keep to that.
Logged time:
7,46
